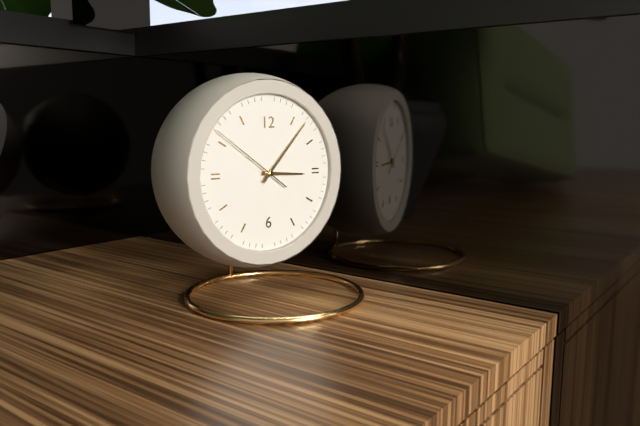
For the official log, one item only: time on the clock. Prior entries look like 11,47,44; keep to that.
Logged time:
3,07,51
